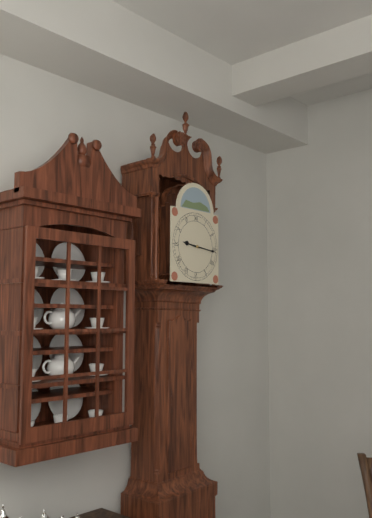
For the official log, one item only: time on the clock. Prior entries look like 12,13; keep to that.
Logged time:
9,16
